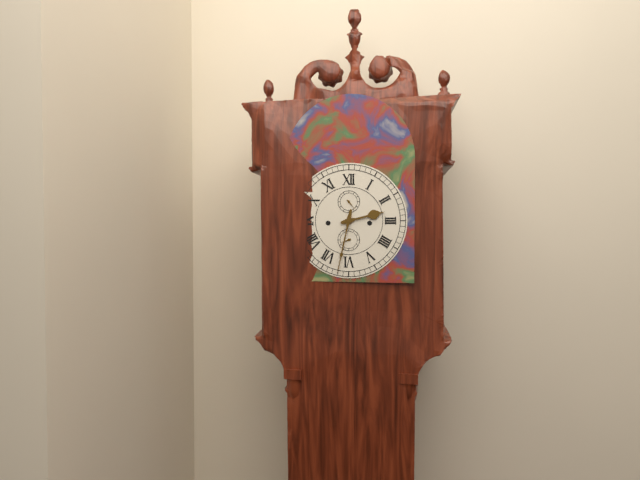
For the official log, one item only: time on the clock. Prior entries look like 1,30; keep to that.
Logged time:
2,32
